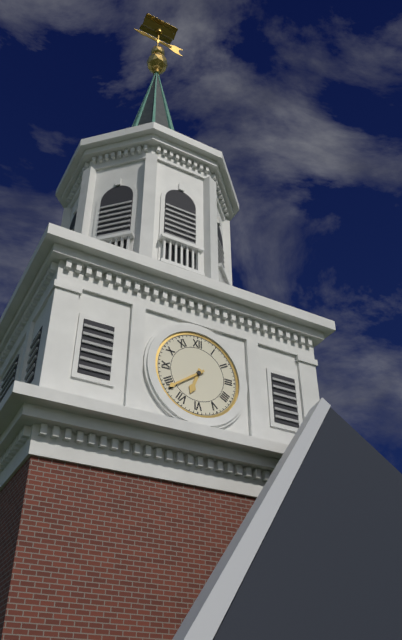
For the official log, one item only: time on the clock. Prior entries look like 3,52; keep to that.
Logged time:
6,39
